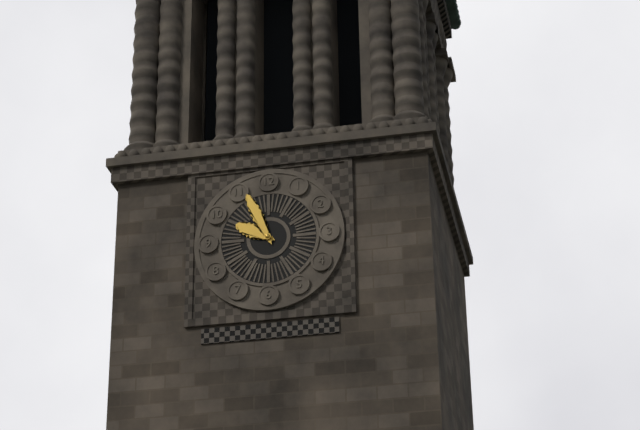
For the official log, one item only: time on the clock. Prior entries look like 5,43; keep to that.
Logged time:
9,56
